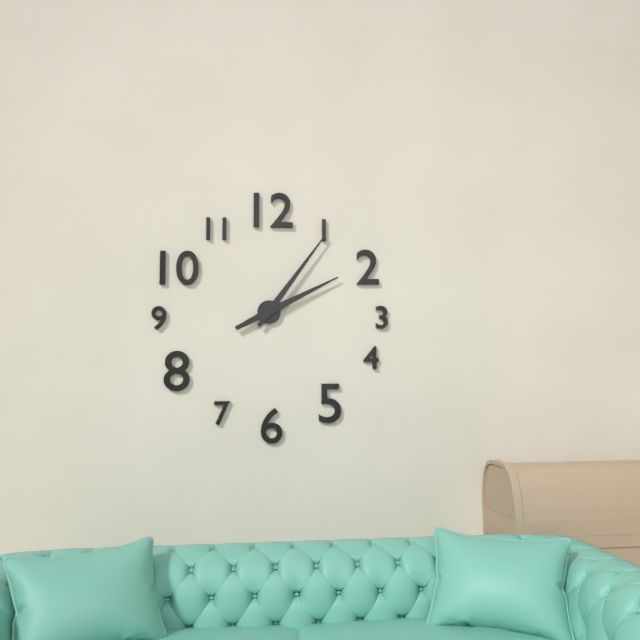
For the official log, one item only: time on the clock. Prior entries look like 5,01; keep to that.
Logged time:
2,06
